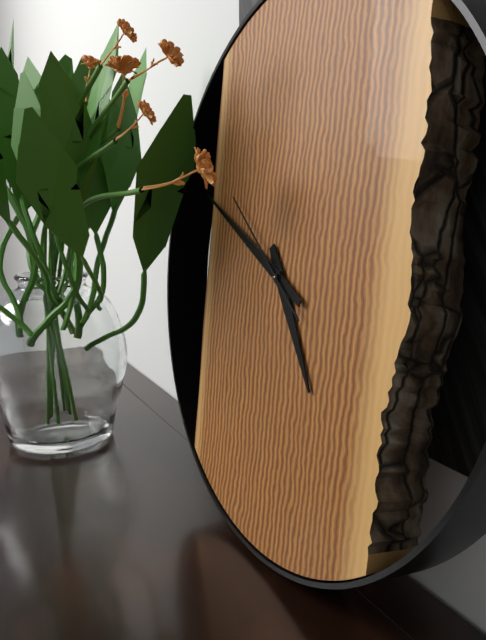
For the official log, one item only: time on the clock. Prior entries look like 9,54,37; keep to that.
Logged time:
4,49,51
